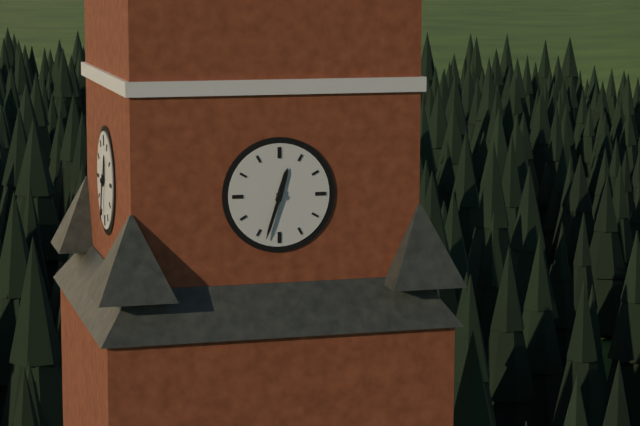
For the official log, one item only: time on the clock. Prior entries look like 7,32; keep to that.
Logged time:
12,33
